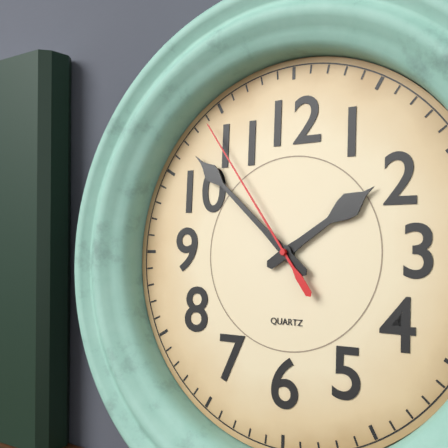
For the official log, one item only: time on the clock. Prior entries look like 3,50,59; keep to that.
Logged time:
1,52,54
